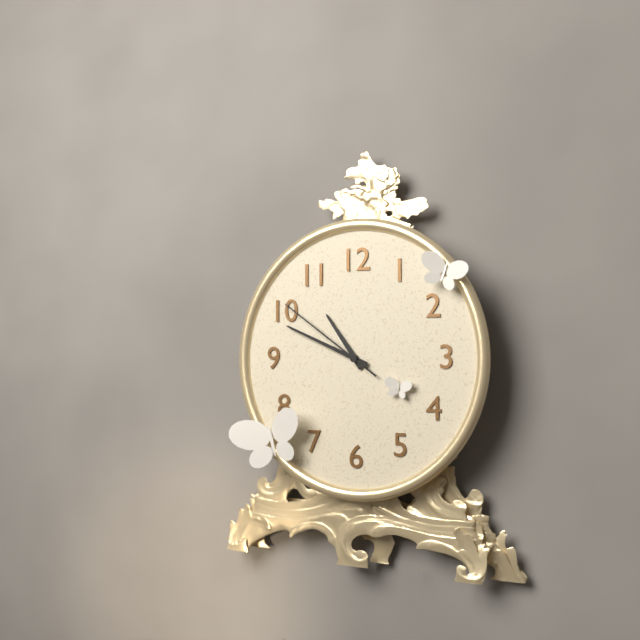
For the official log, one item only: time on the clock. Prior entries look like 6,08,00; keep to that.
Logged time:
10,49,51
